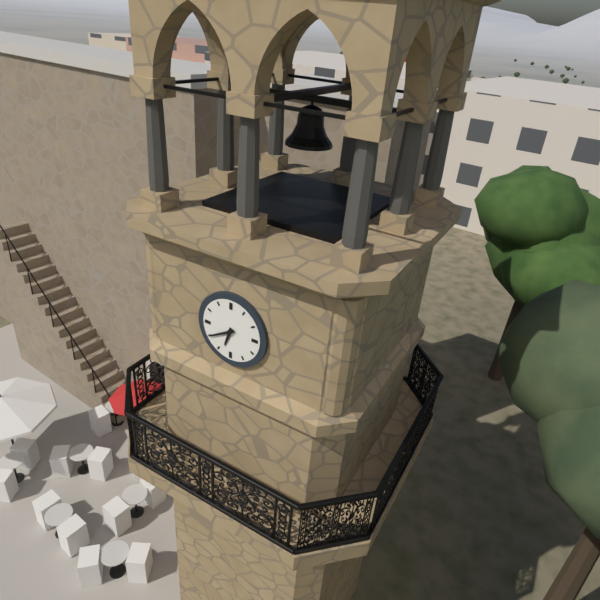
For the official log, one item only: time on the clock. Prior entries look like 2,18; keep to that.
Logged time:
6,40
